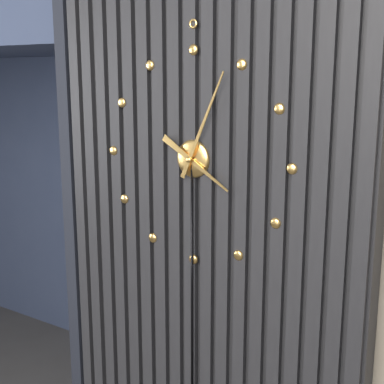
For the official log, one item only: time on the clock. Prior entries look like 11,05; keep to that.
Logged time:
4,04
